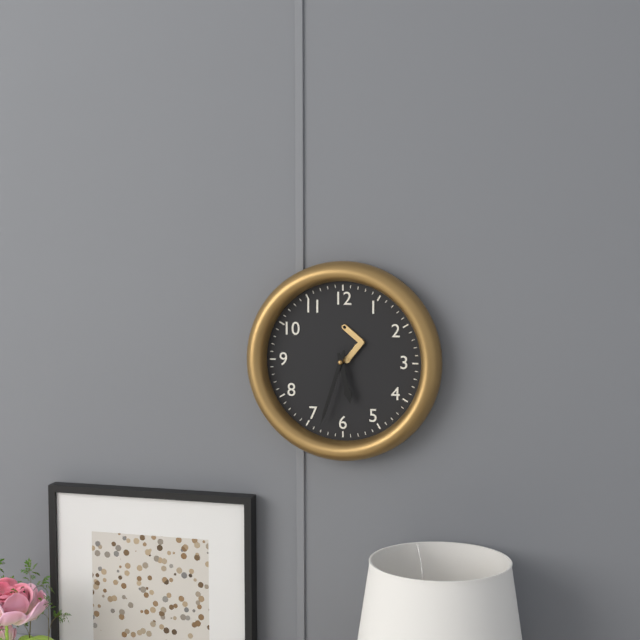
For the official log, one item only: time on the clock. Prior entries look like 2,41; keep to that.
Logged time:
5,33
